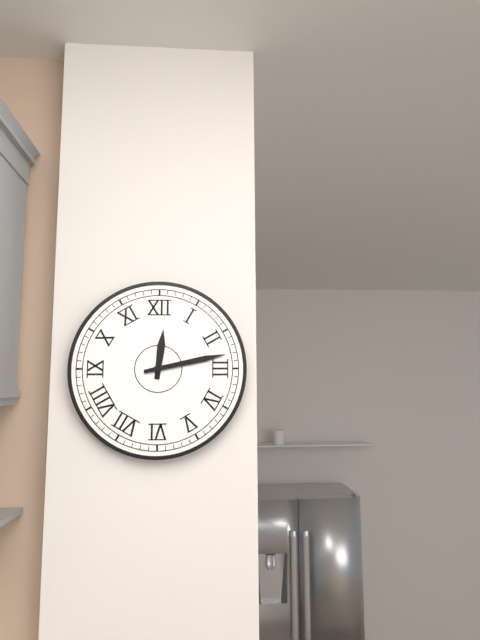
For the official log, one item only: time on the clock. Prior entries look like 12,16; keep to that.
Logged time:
12,13
